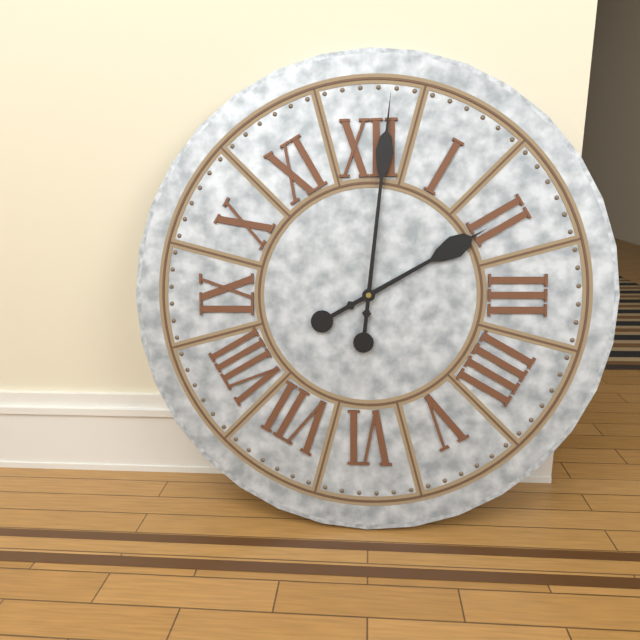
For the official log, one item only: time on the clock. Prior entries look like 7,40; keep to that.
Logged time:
2,01
